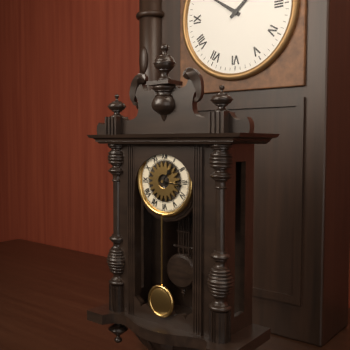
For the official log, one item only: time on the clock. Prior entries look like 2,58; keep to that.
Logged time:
1,16
